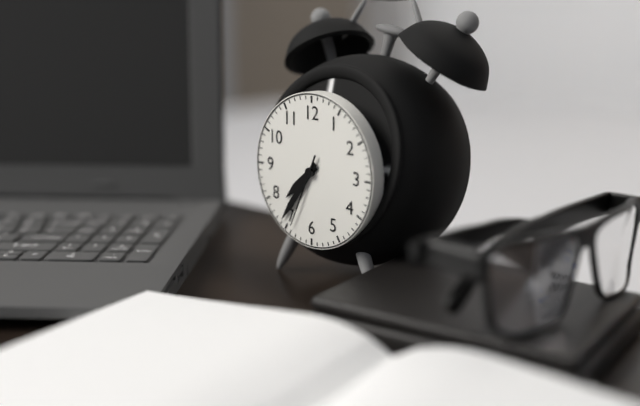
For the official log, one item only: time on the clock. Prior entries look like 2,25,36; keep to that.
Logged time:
7,36,34
